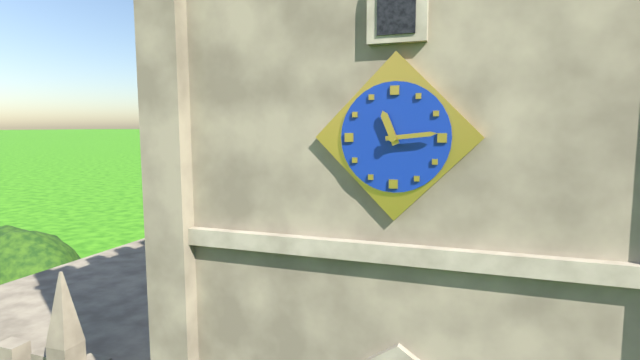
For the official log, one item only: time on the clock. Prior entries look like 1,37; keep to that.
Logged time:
11,14
